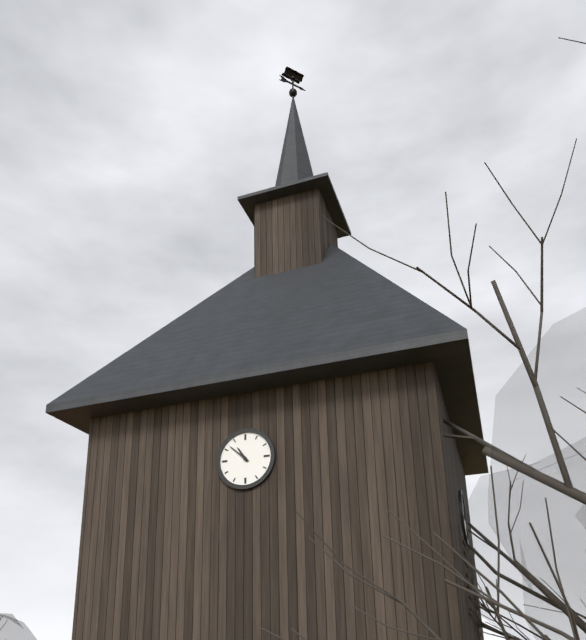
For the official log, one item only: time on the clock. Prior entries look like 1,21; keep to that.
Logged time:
10,52
